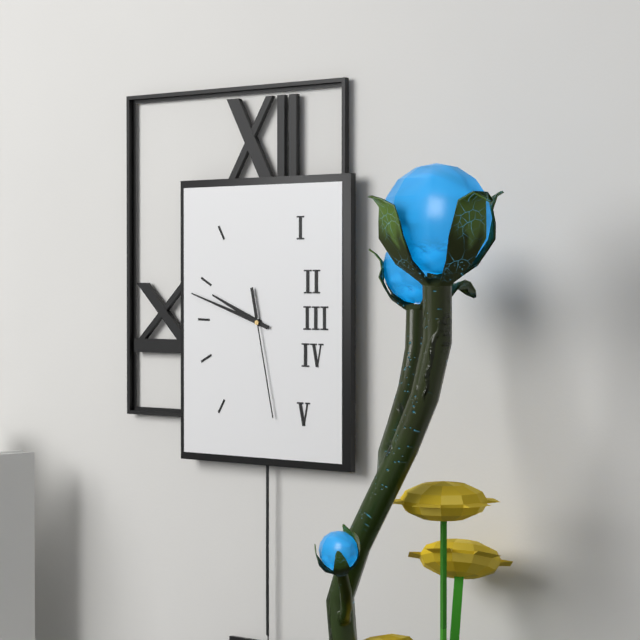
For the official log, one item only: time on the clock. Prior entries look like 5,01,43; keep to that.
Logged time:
9,48,28
